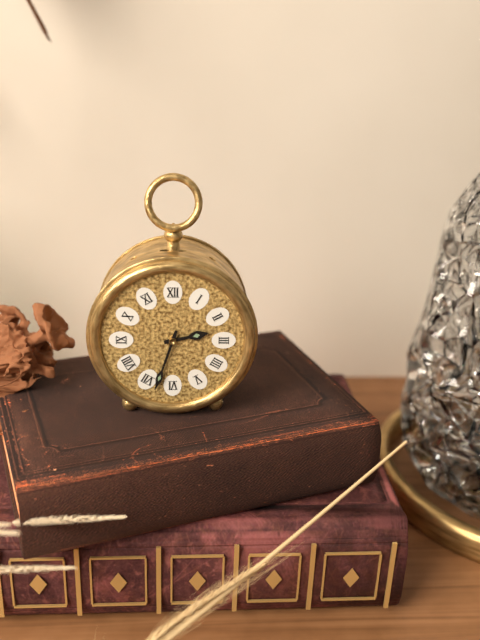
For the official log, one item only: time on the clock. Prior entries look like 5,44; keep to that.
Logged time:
2,33
